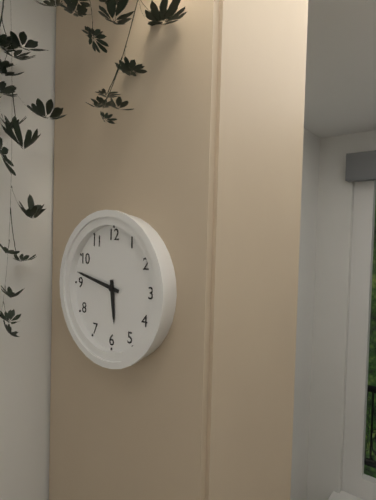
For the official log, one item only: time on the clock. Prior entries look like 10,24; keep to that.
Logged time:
5,47
